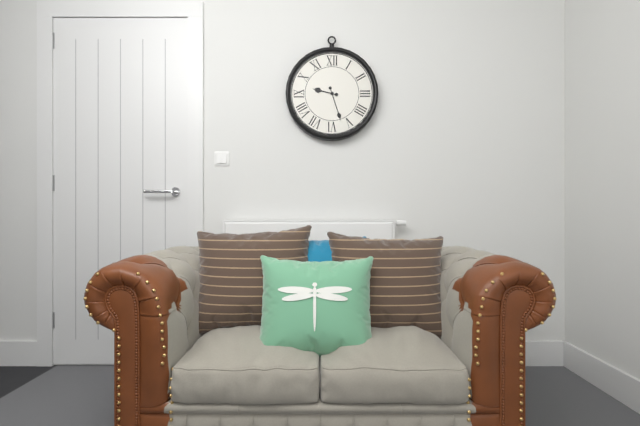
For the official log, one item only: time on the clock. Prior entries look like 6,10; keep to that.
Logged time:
9,27
